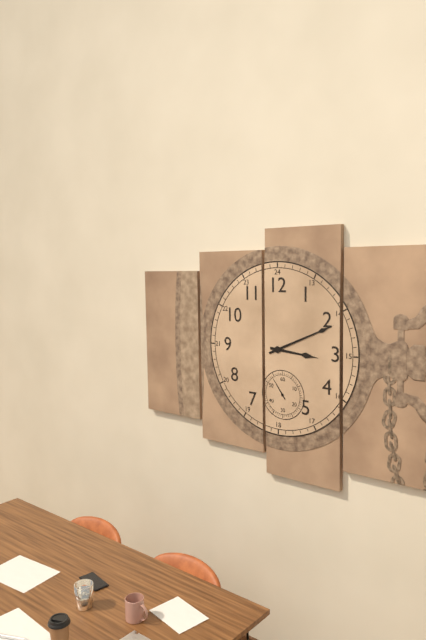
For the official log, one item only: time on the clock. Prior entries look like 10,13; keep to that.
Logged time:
3,11
